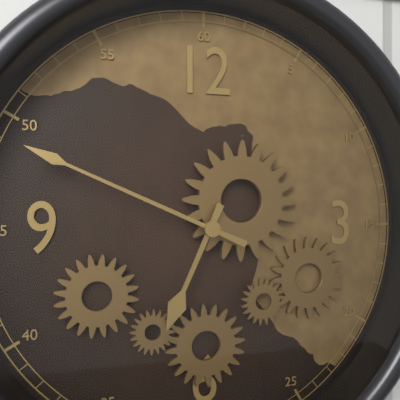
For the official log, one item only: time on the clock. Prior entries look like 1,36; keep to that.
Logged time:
6,49
